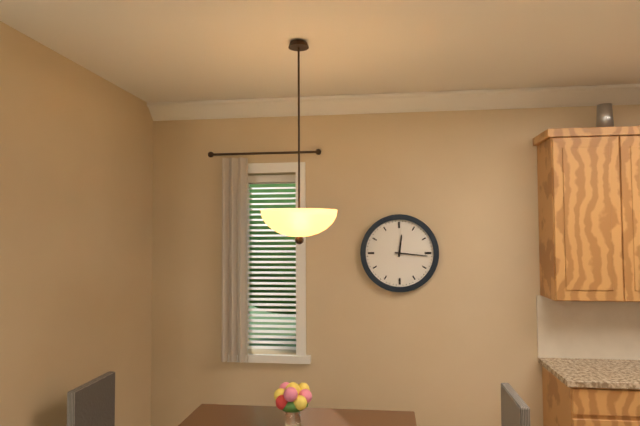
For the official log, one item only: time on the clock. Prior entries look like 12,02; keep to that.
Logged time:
12,16
